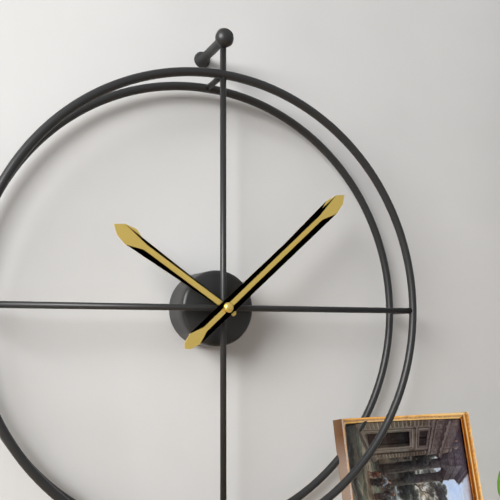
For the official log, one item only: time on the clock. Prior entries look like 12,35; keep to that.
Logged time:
10,08
